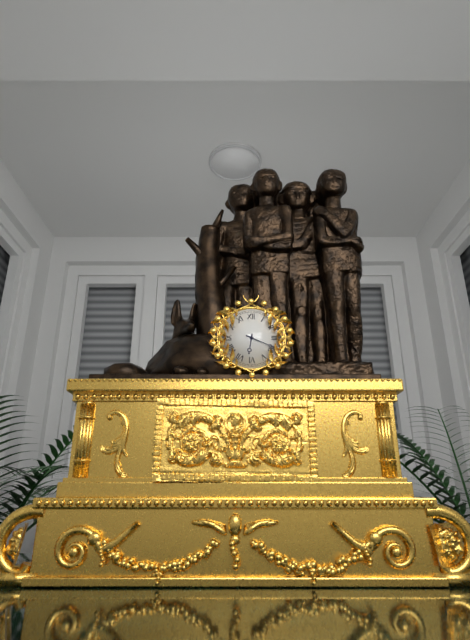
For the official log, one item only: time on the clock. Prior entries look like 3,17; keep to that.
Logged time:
6,19
